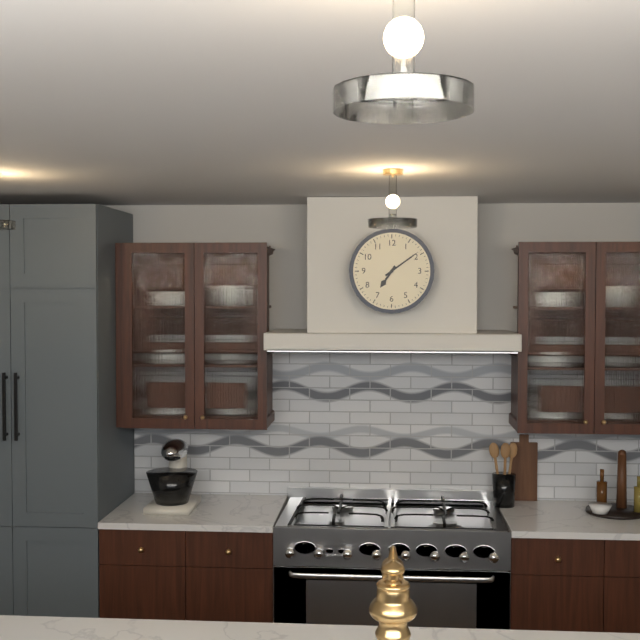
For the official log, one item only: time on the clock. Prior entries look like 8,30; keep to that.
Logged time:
7,09
